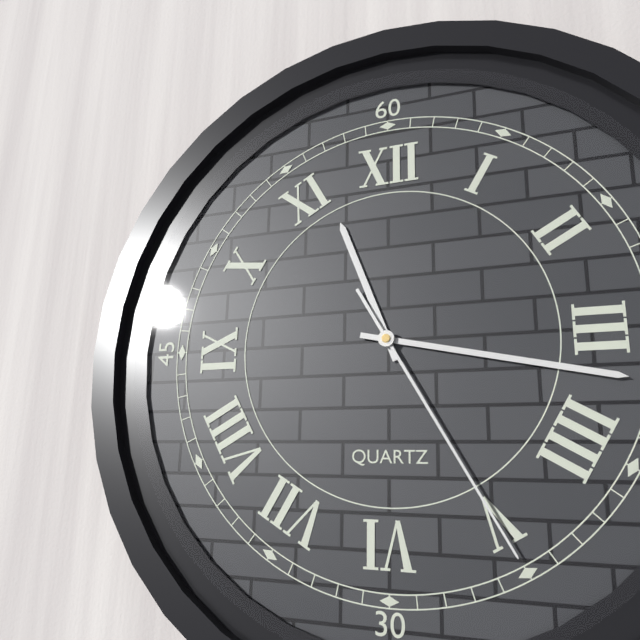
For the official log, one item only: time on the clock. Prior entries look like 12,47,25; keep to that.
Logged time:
11,17,25
